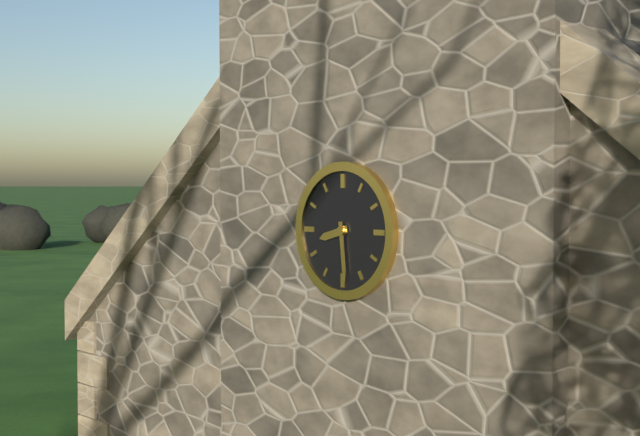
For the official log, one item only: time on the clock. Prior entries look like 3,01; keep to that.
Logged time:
8,29
